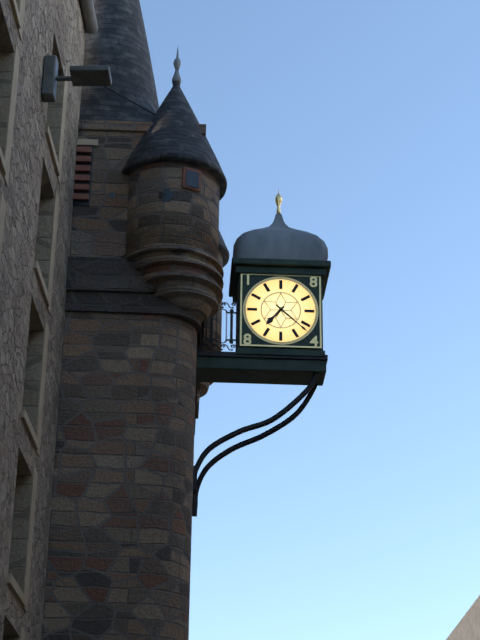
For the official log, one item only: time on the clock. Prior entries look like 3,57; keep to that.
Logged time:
7,22
